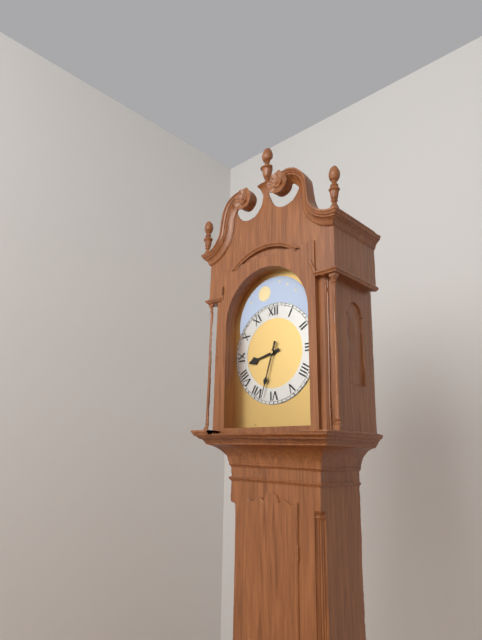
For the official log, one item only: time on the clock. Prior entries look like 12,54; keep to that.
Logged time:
8,33
